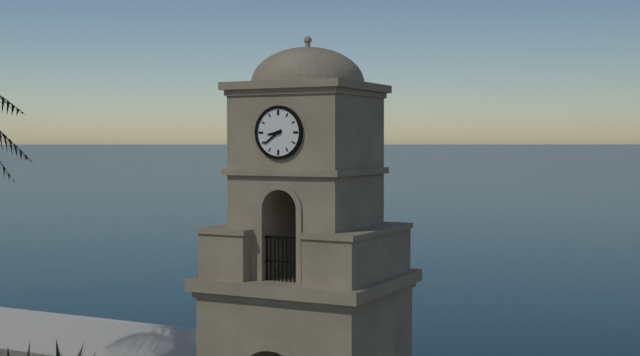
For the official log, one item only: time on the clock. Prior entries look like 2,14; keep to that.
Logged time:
8,39
